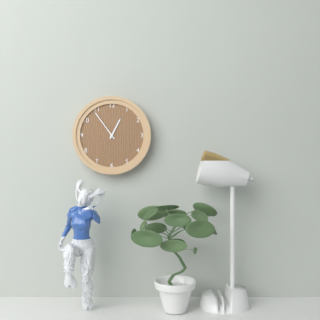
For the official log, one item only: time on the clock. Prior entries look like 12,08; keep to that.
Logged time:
12,54
